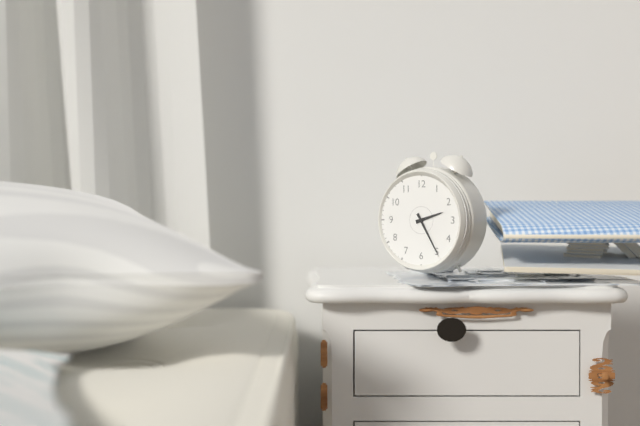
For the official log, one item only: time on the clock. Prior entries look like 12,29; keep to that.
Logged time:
2,25
